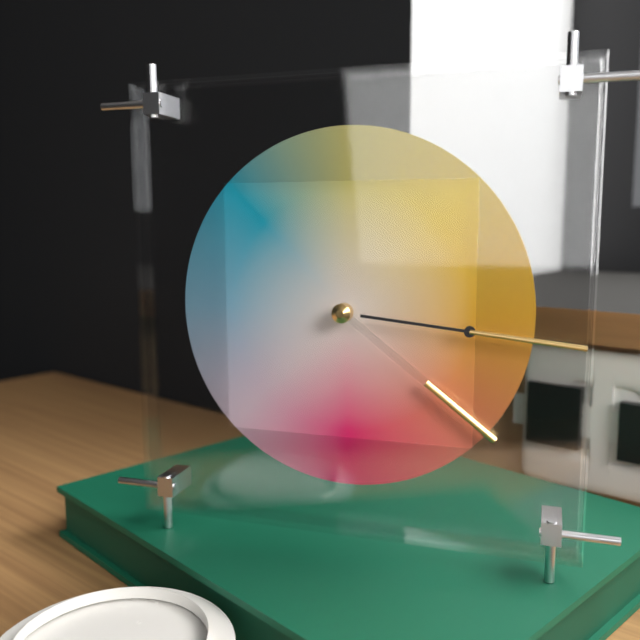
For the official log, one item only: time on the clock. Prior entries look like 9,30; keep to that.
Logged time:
4,16
